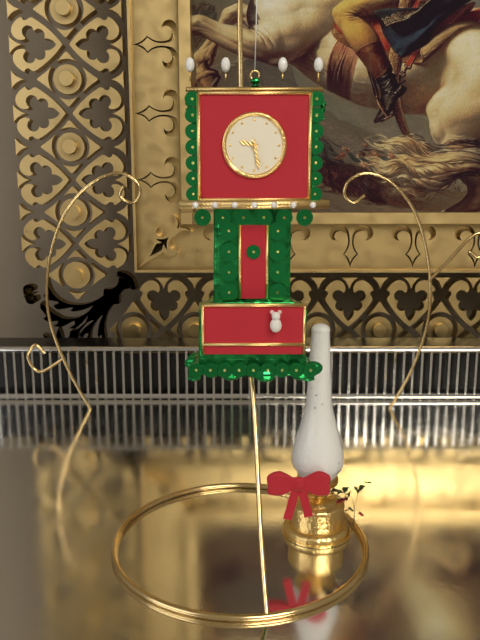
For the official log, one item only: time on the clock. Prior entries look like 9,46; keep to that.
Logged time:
9,28
